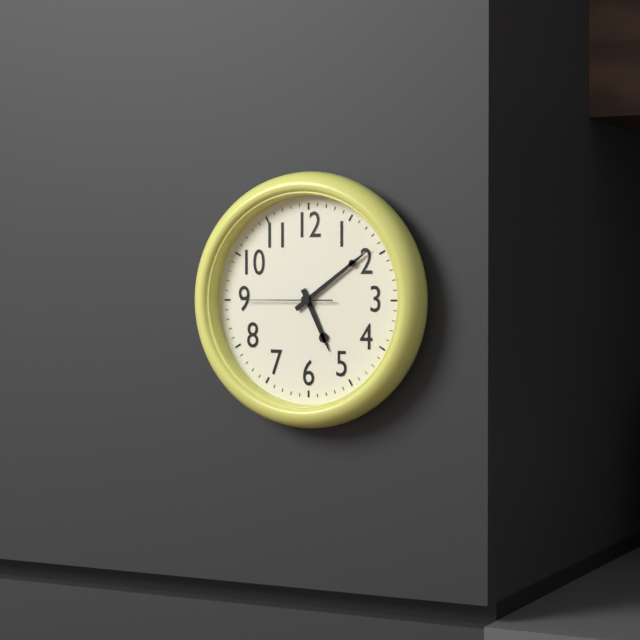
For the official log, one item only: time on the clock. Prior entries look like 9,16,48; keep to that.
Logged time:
5,09,45
